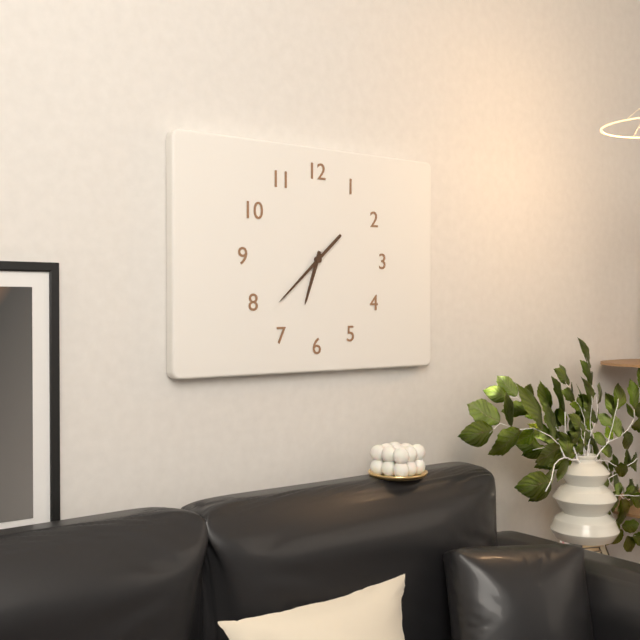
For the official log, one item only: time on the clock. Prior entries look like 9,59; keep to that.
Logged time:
6,38
